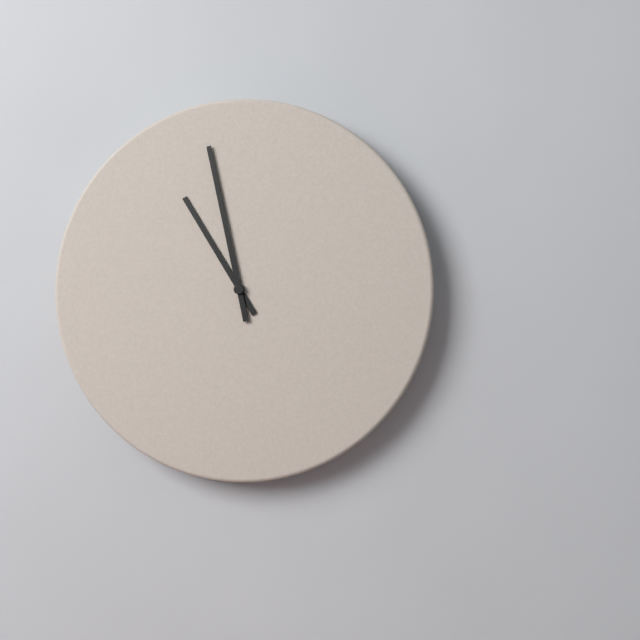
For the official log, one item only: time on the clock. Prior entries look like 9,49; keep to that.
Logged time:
10,58
